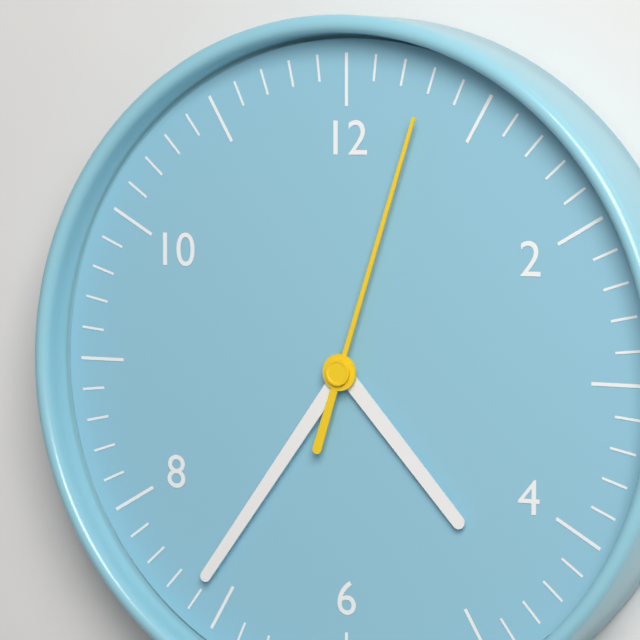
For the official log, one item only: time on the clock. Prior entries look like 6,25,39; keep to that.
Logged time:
4,36,03
